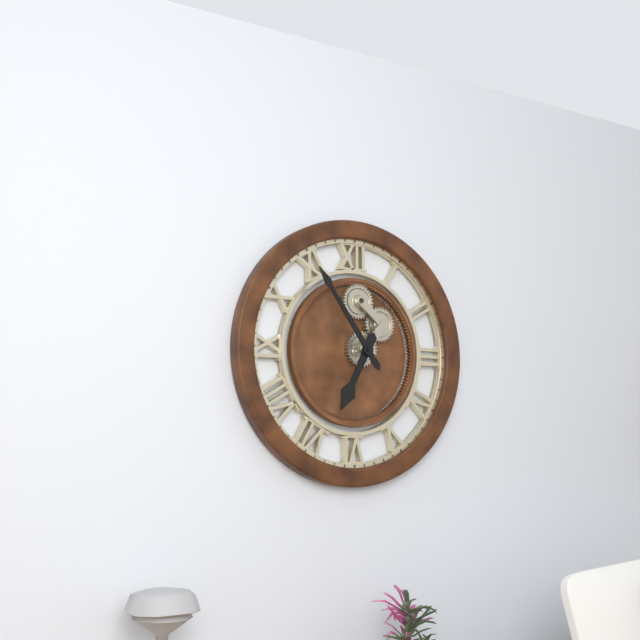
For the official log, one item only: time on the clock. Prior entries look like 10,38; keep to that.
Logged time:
6,54
